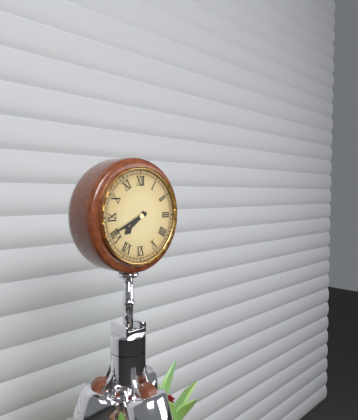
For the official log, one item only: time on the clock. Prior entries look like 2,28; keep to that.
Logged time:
7,41
